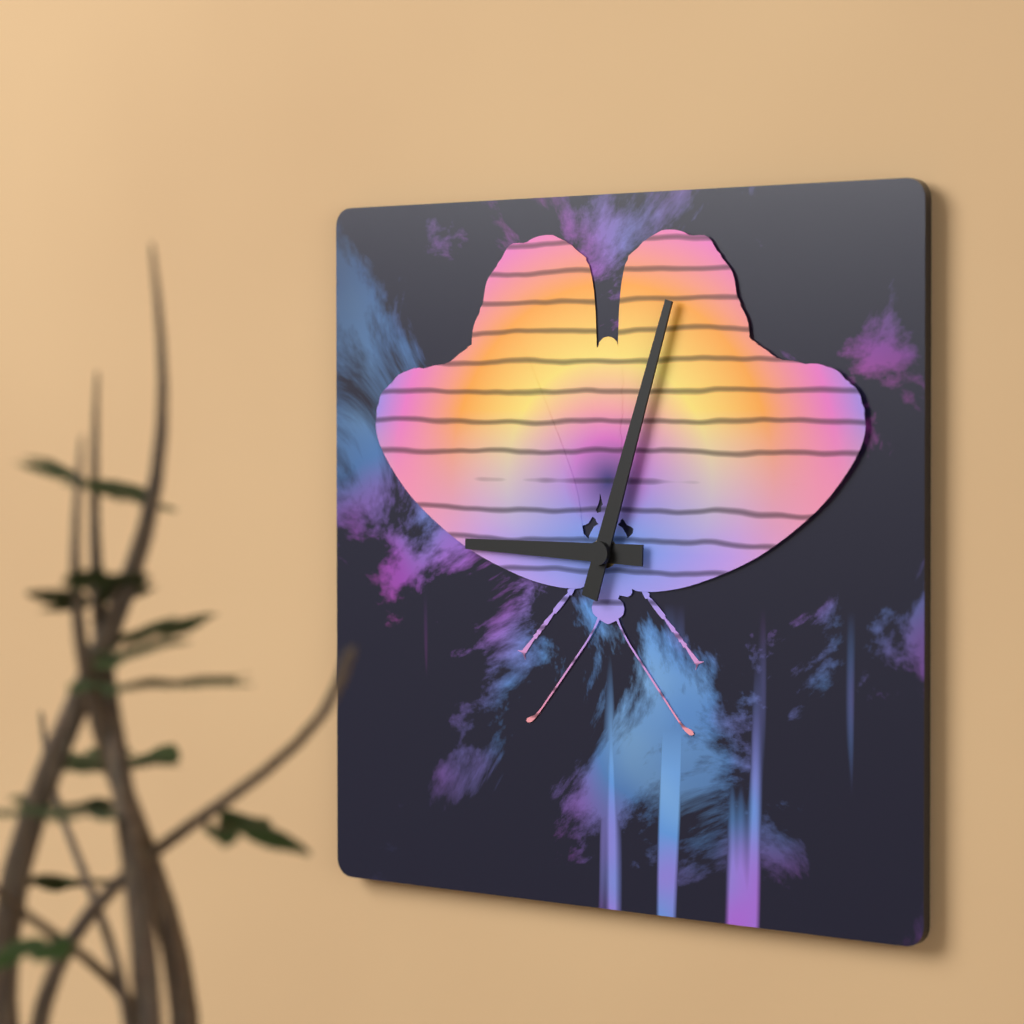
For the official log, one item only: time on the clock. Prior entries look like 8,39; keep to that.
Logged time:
9,03
